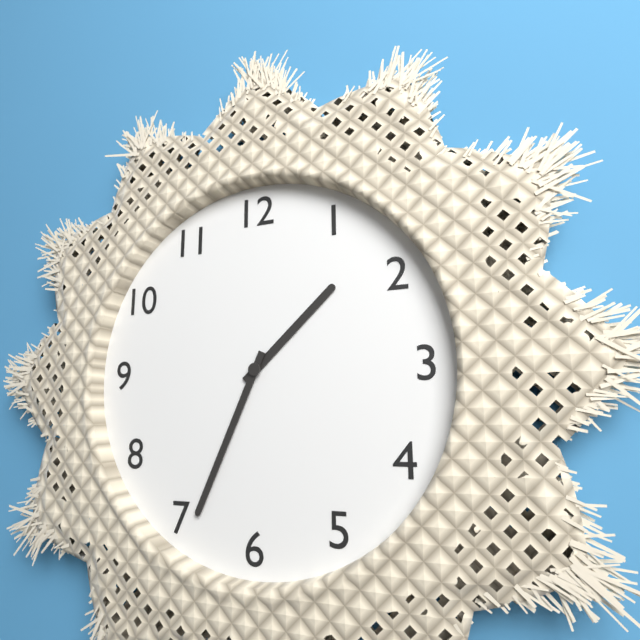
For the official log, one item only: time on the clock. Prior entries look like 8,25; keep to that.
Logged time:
1,34
